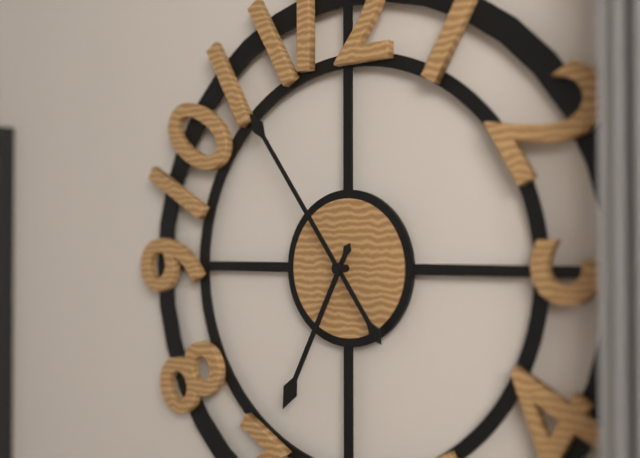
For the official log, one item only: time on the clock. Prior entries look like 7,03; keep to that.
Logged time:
6,54
